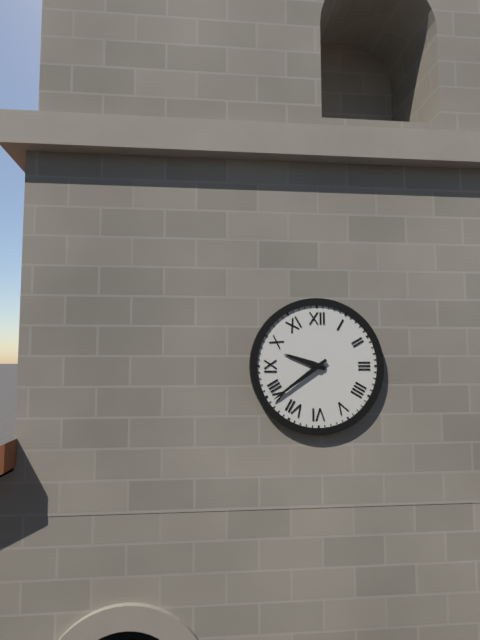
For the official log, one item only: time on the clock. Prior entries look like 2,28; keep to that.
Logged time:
9,39
